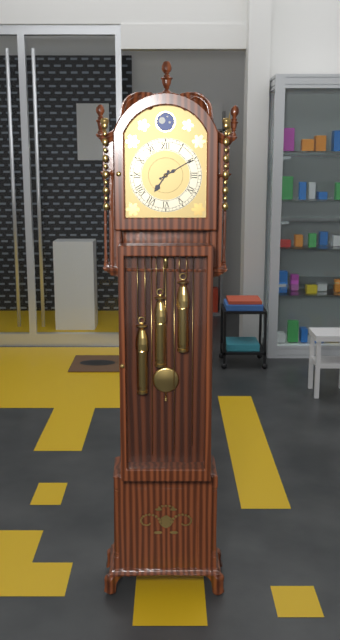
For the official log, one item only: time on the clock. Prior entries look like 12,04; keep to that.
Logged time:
7,10
